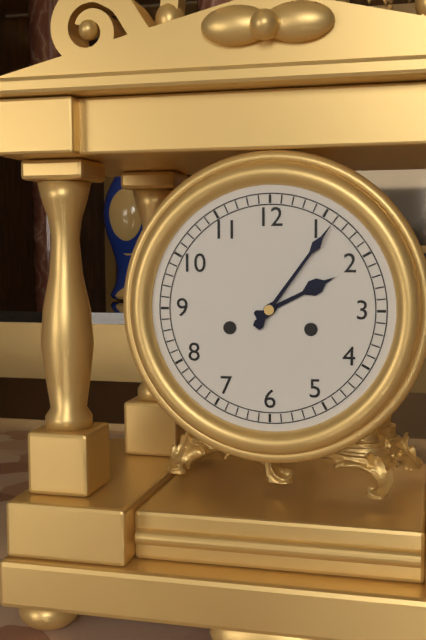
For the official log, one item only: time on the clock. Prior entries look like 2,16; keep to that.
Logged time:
2,06
